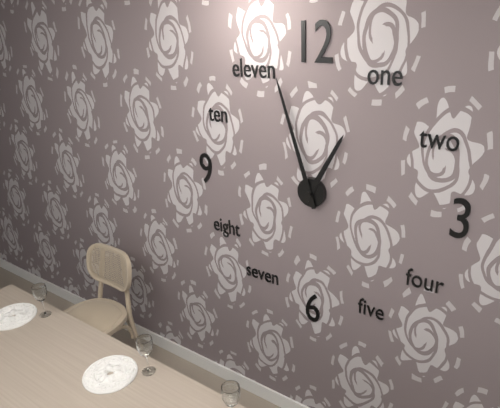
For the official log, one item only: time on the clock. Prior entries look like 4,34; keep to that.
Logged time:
12,57
